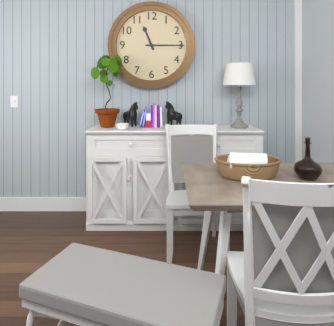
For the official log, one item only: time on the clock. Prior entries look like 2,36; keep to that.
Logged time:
11,15
